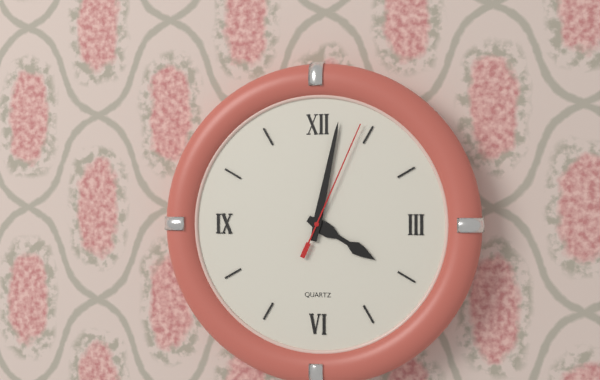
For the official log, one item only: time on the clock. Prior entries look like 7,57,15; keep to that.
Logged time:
4,02,04
